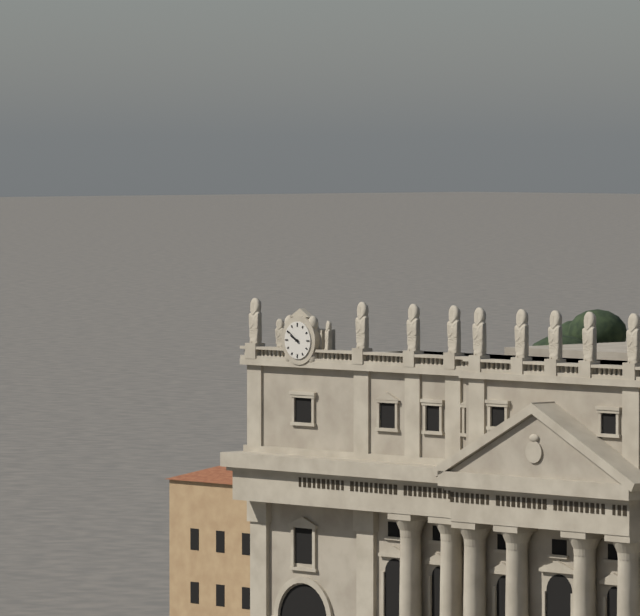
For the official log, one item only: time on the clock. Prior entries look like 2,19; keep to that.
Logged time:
9,51
